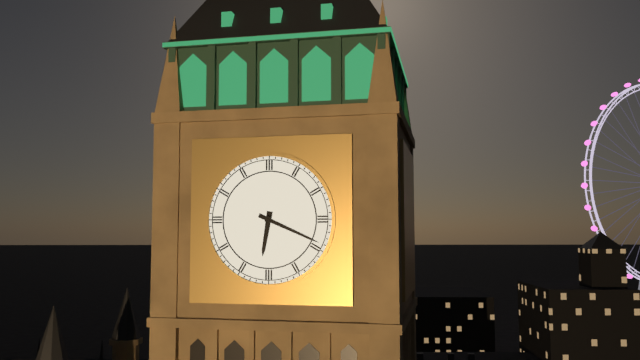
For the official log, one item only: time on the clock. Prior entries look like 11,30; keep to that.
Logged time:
6,19
